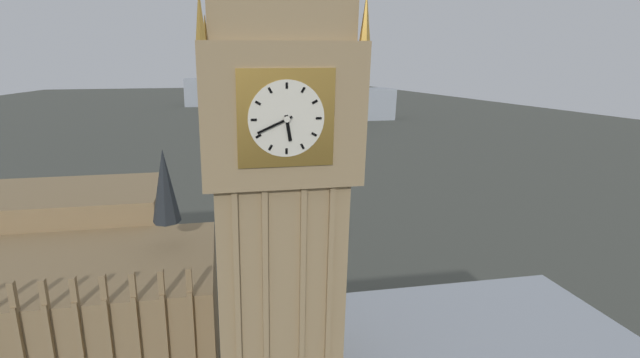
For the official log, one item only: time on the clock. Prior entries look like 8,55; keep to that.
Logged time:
5,41
